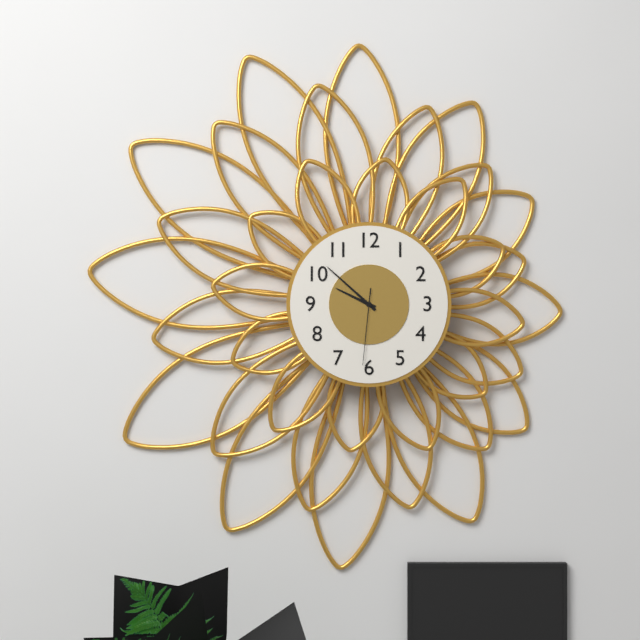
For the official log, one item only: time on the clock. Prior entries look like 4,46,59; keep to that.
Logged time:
9,52,31
